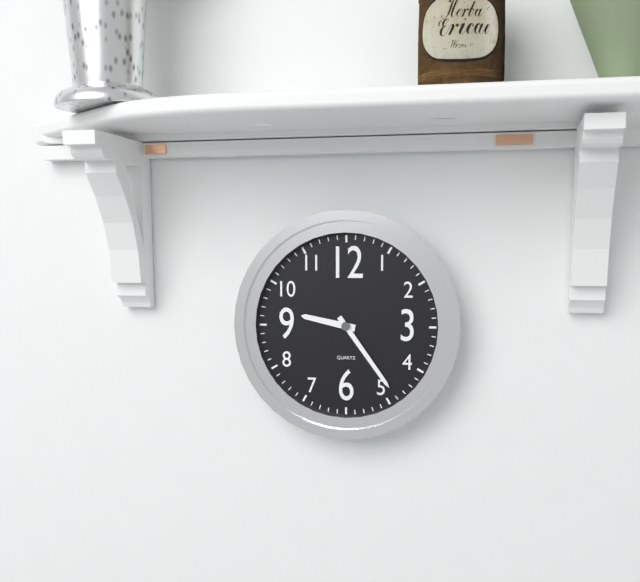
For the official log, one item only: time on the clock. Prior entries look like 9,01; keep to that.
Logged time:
9,24
